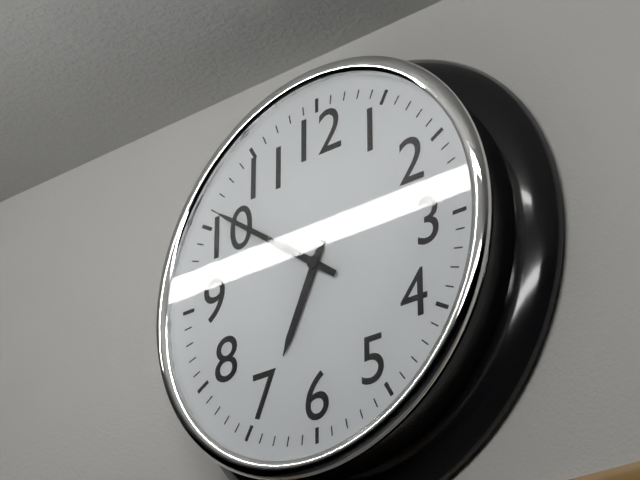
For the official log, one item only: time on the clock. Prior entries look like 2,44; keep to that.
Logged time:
6,51
